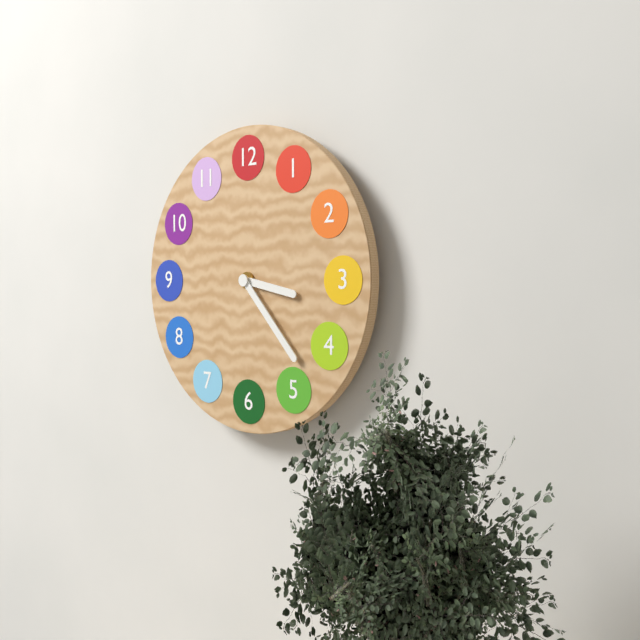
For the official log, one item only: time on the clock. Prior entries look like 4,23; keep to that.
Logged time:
3,23
